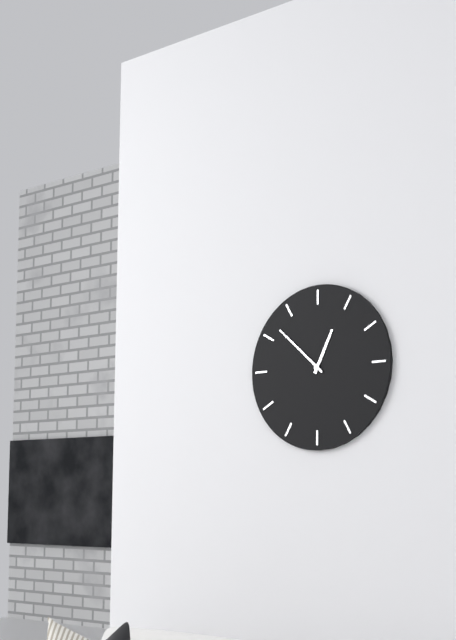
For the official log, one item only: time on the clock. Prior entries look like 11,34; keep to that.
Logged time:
12,52
